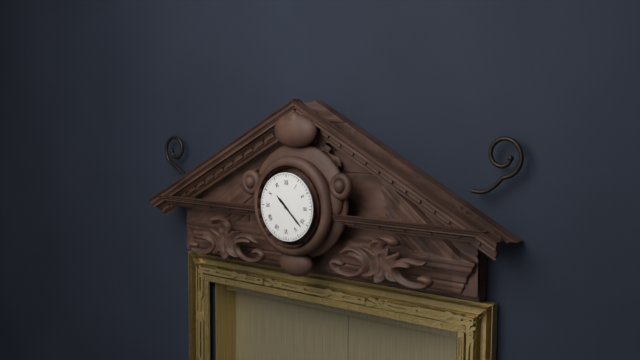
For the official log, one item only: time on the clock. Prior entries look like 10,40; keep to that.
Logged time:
10,22
